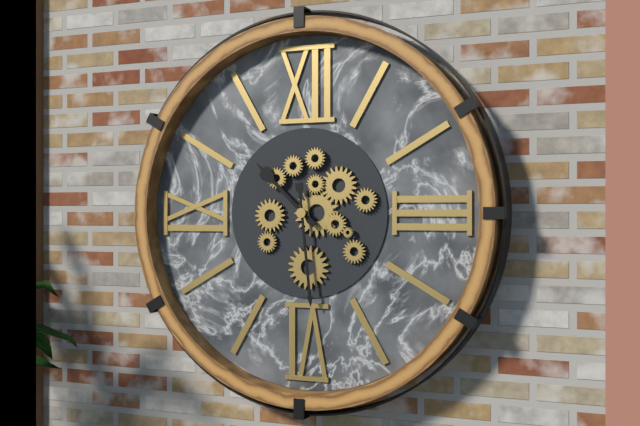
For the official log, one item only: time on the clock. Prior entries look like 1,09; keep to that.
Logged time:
10,29
